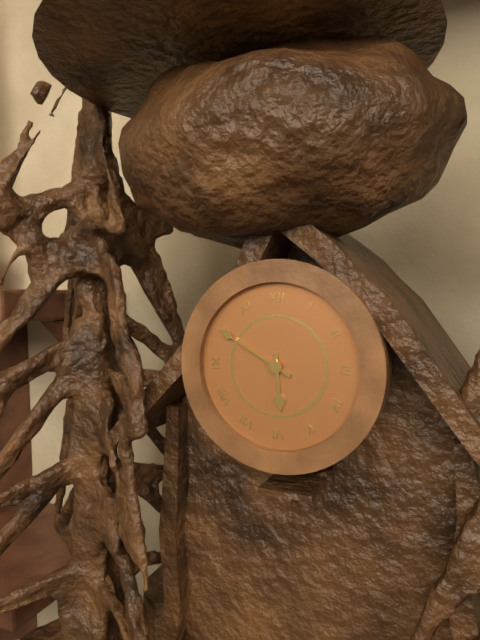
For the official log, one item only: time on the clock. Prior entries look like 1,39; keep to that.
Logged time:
5,50
